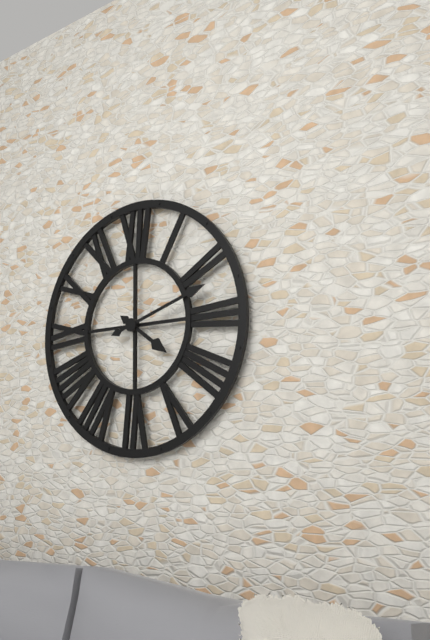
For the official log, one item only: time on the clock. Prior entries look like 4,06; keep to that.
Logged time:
4,12
